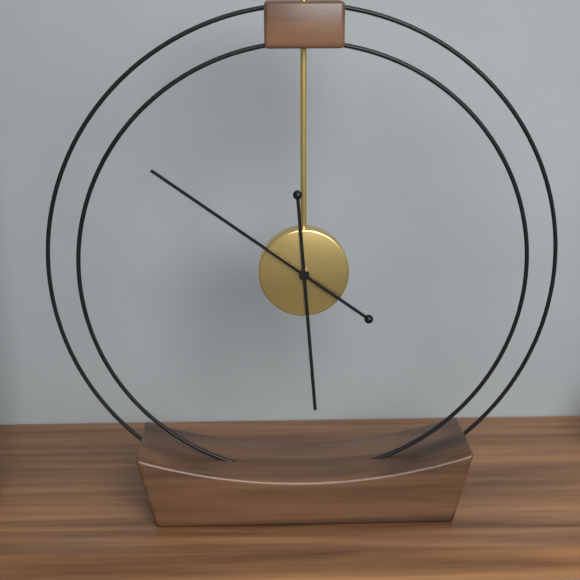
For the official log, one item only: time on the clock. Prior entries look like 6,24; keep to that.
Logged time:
5,51
